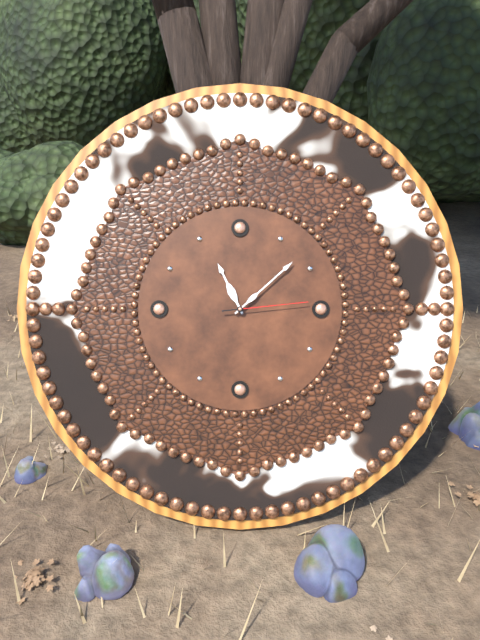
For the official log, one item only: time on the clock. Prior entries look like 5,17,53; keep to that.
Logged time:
11,08,14
